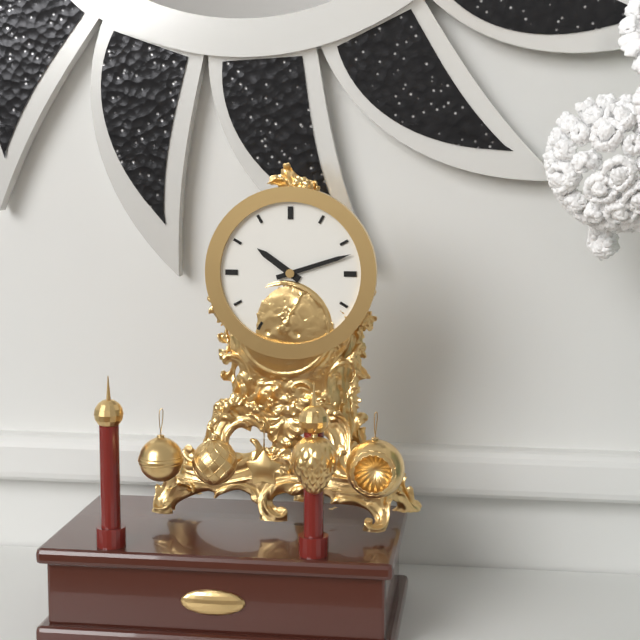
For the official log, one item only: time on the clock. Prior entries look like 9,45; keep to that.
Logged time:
10,12
